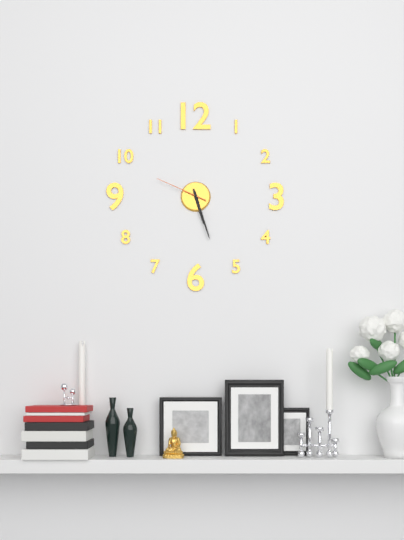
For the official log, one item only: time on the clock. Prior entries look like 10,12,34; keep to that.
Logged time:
5,27,49
